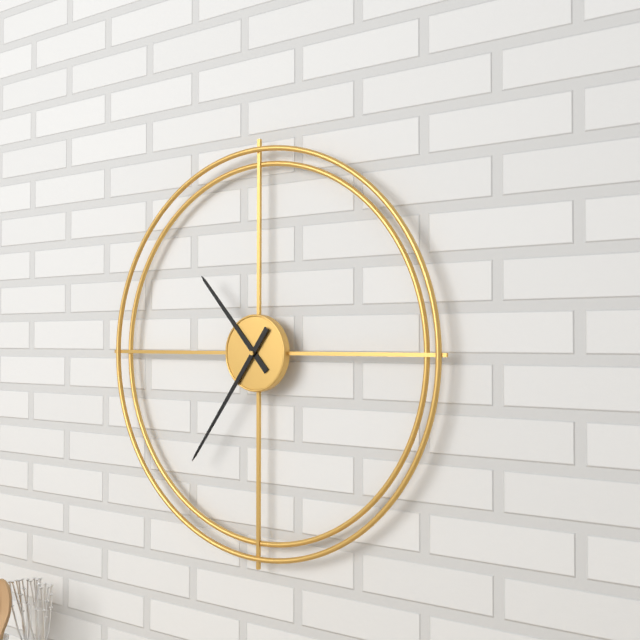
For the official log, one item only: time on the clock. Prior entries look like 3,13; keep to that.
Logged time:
10,36
